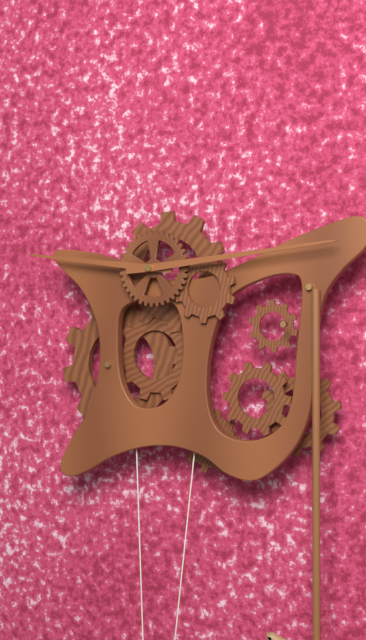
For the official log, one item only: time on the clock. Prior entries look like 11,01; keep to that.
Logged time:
9,14
